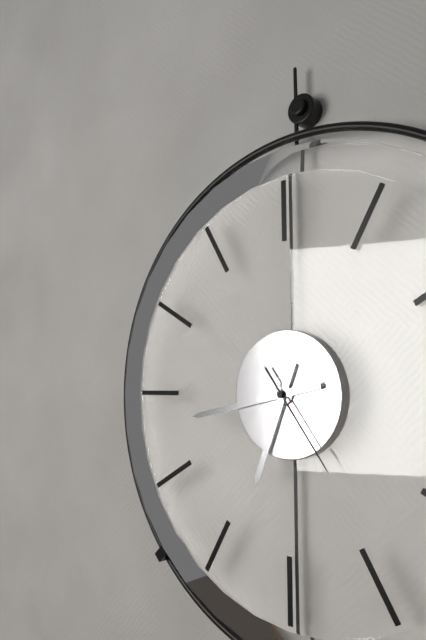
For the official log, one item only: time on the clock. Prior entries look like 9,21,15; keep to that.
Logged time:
6,43,24
